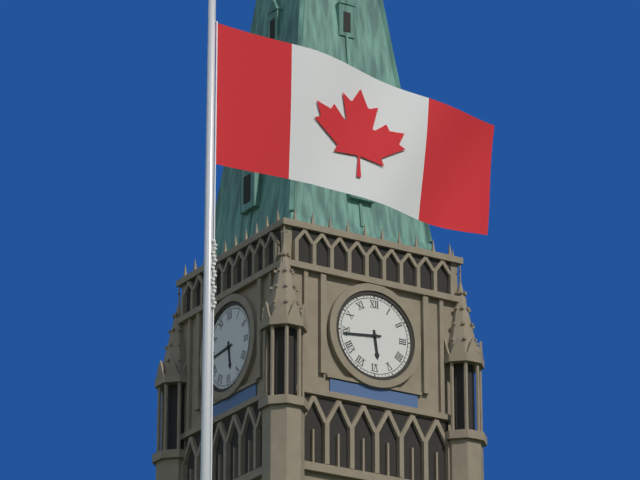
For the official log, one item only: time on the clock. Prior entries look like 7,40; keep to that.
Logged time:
5,44
